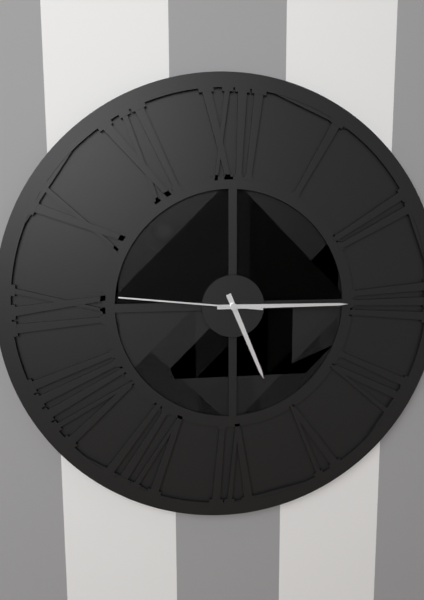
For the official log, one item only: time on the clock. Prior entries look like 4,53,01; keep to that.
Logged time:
5,15,46
